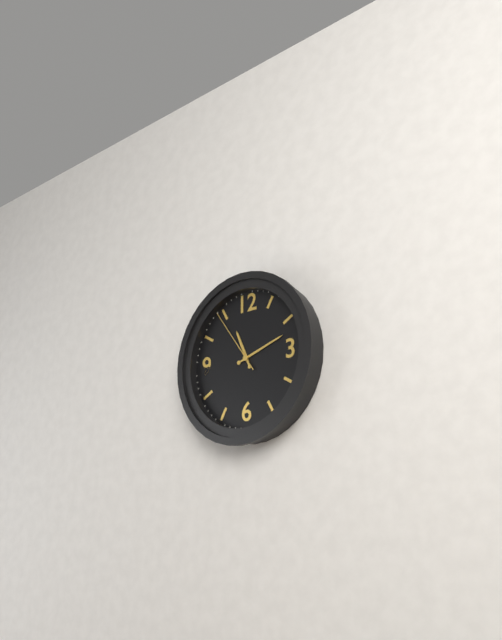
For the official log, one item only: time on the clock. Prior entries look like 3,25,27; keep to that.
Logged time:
11,12,54
